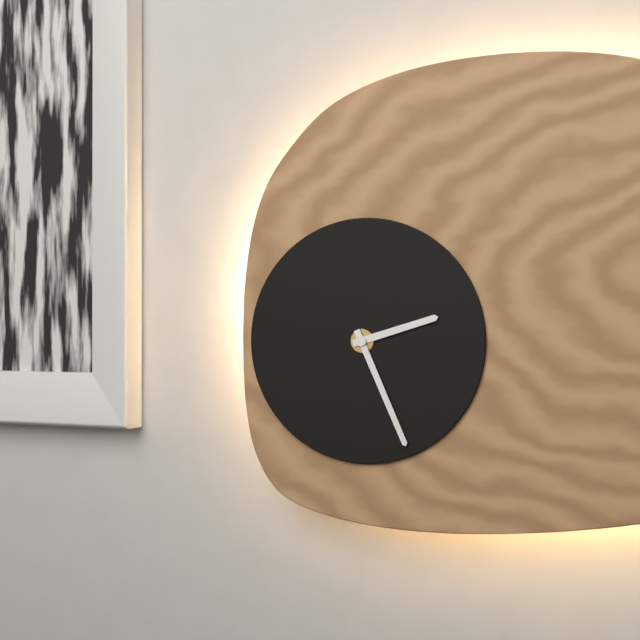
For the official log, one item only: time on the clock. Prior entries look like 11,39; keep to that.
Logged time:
2,26
